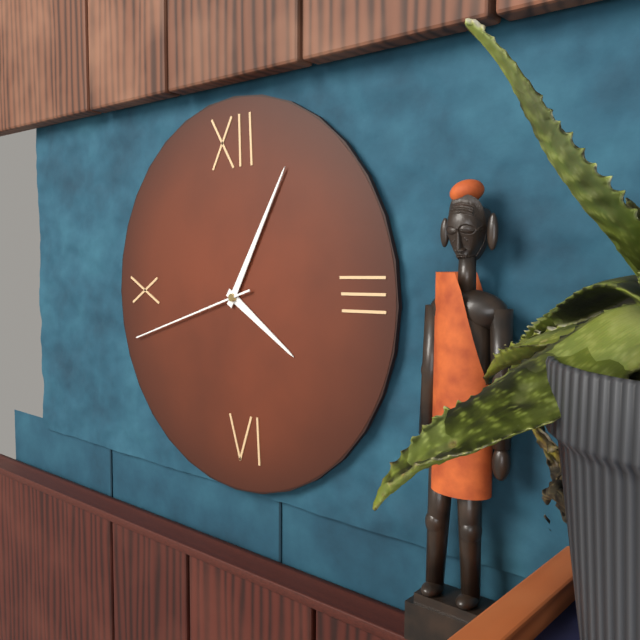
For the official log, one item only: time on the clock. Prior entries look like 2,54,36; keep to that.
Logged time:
4,05,42
